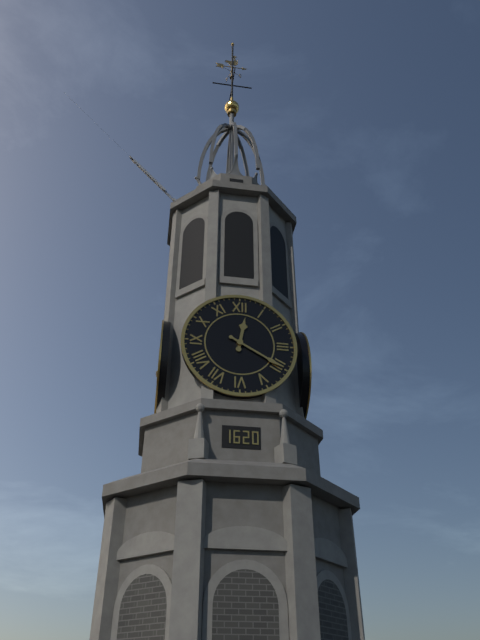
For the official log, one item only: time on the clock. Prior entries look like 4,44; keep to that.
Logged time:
12,20
